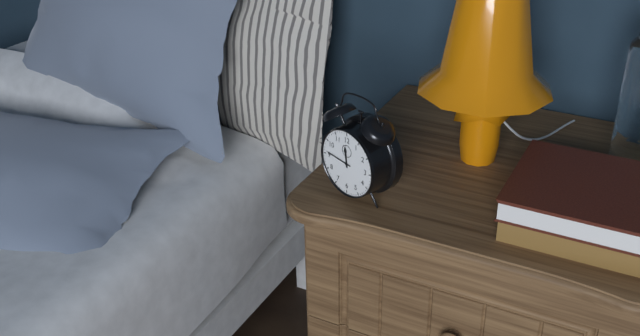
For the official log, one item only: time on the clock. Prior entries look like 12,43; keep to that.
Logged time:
11,46
